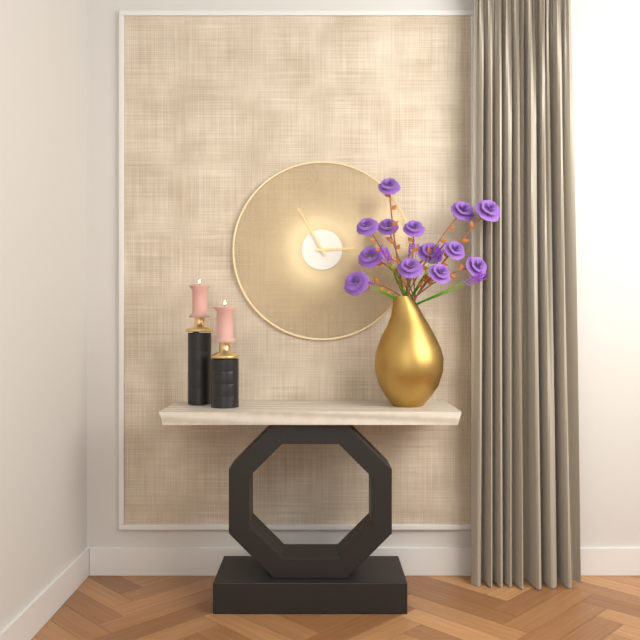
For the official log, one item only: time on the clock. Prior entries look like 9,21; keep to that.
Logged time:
2,55
